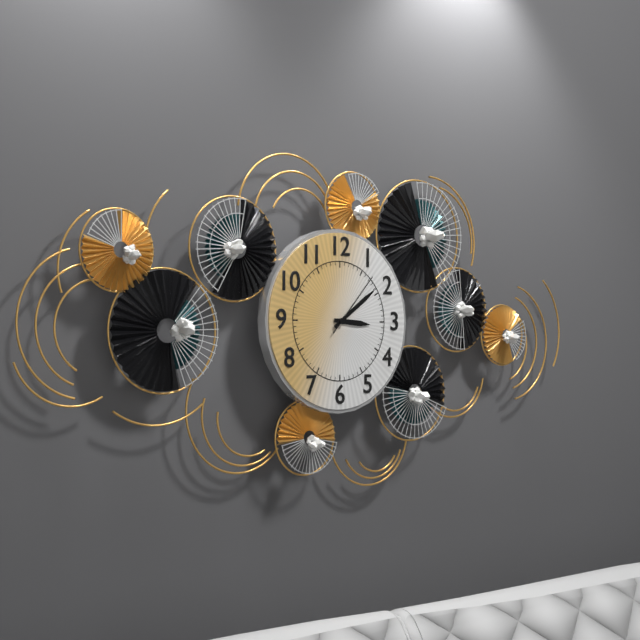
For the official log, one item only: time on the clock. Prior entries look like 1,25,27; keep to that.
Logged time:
3,09,07
